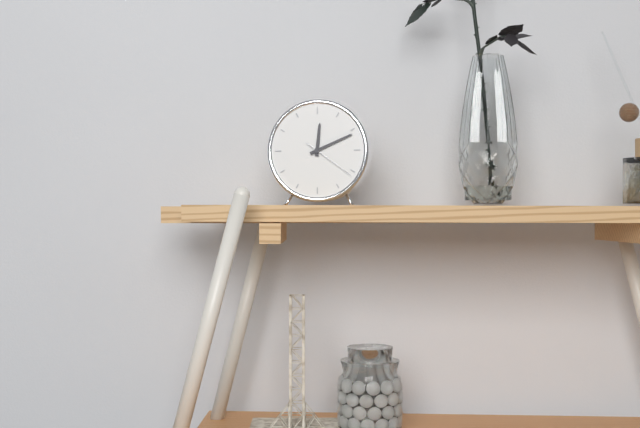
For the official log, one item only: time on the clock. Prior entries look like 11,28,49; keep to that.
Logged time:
12,11,21
